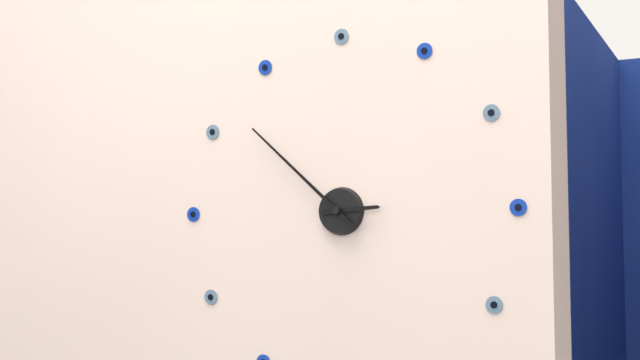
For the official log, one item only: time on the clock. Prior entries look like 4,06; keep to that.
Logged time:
2,52
